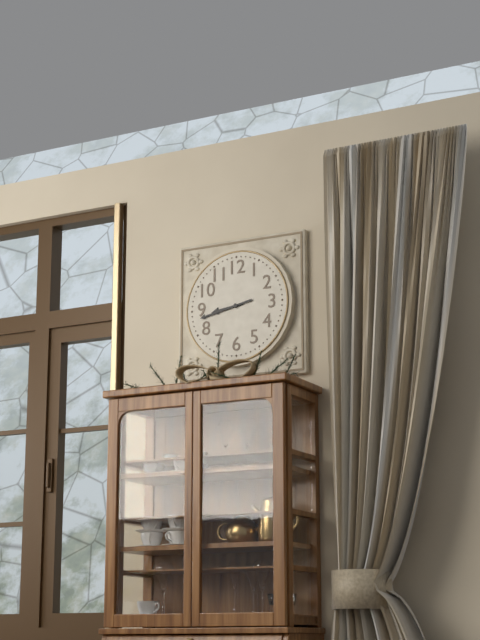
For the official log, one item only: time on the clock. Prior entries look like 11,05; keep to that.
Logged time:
8,43
